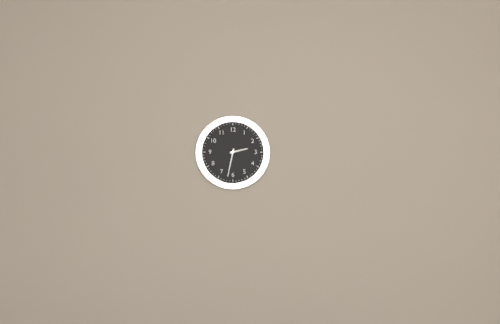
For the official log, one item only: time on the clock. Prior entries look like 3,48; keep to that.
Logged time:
2,32
